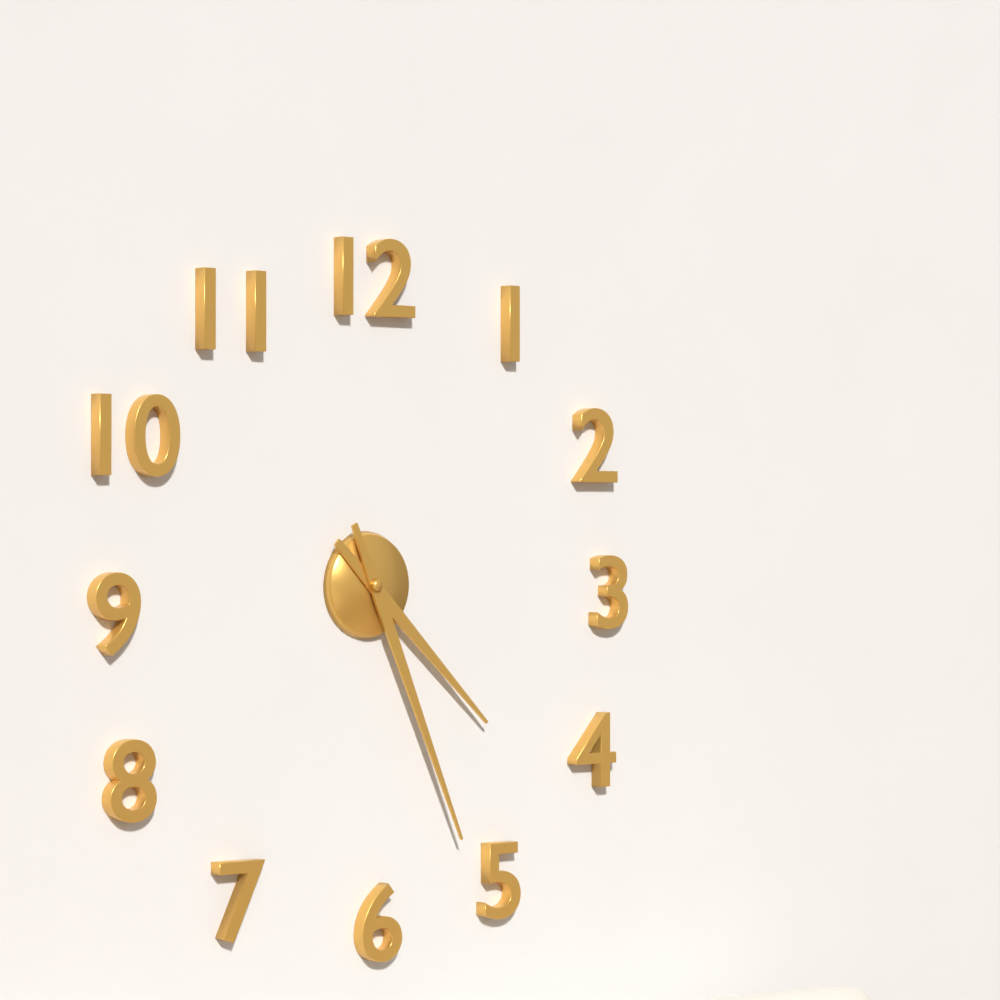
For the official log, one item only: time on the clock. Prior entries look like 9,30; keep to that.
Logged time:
4,26
